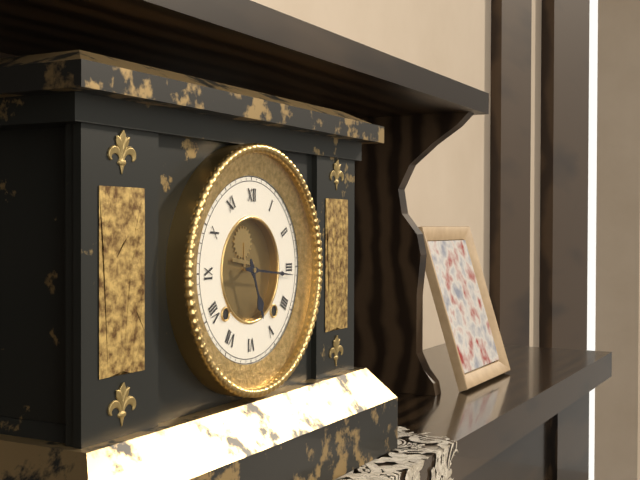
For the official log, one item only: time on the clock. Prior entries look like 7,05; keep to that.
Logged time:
5,16
